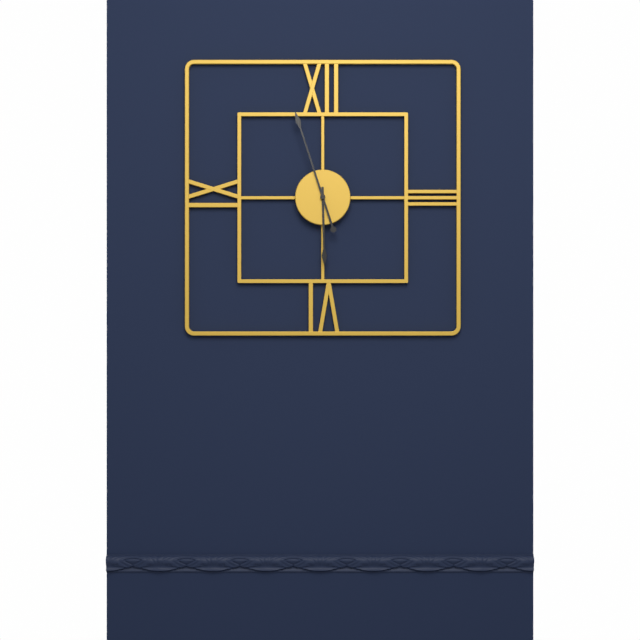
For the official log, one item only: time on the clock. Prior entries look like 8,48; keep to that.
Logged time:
5,57
